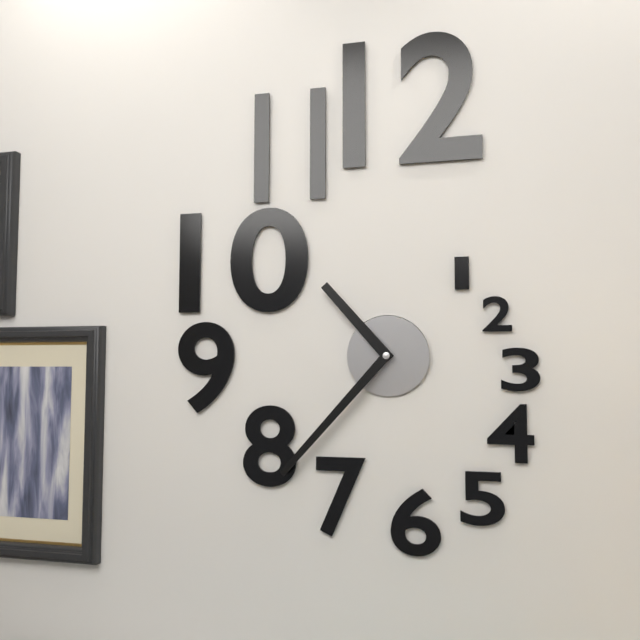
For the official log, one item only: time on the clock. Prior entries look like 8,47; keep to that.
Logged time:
10,37
